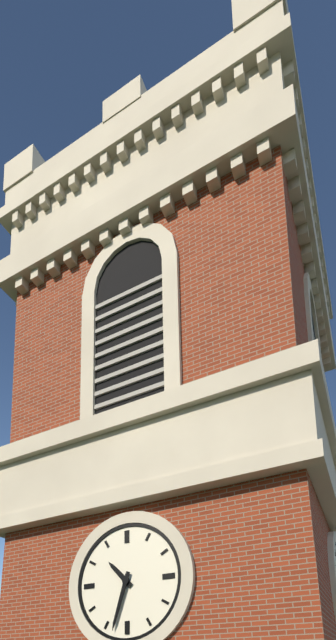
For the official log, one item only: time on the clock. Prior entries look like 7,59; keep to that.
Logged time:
10,33
